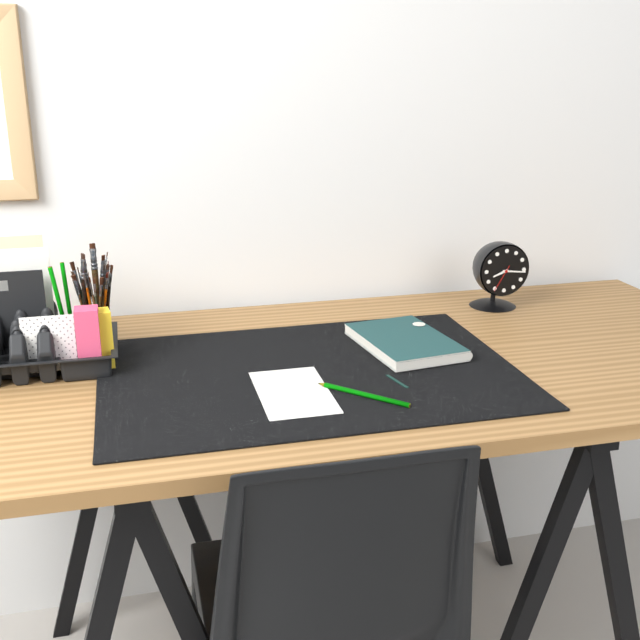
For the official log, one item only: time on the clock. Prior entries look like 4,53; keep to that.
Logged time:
8,16
